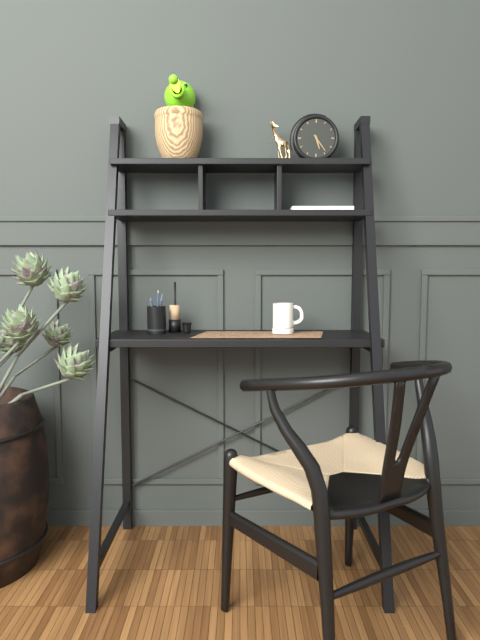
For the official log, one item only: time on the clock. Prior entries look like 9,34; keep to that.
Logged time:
5,24
